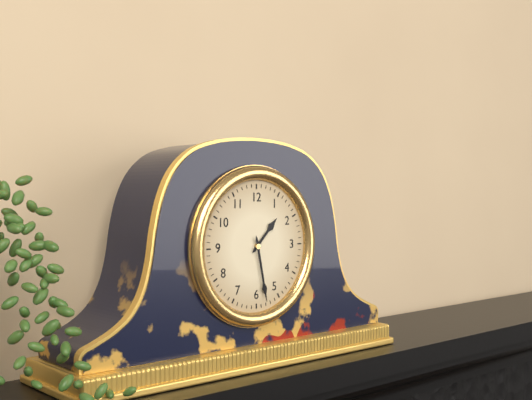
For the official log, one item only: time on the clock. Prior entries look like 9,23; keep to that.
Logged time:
1,28
